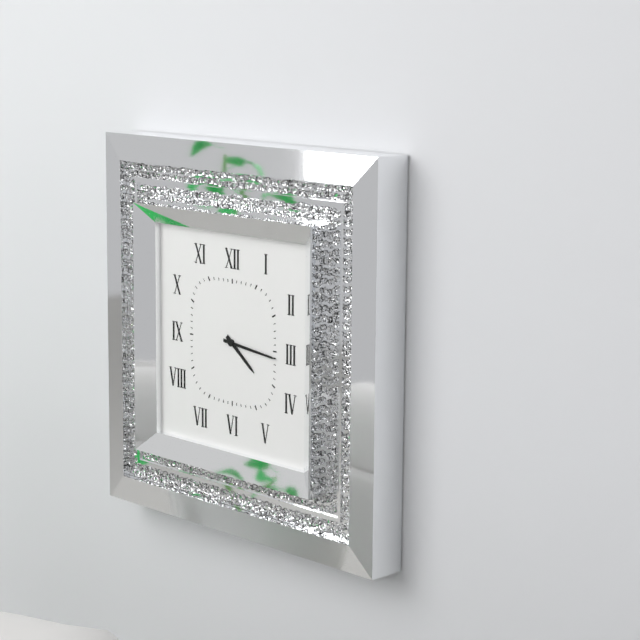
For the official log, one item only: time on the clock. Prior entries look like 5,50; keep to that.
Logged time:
4,16
